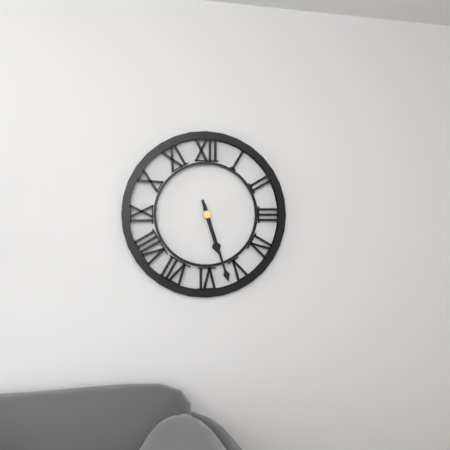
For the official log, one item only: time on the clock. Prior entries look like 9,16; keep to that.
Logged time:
5,27
